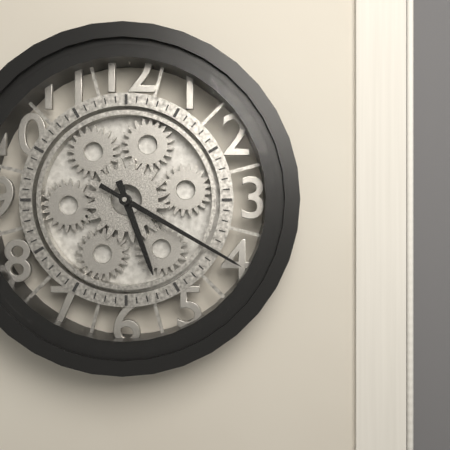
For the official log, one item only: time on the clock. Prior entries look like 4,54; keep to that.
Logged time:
5,20
